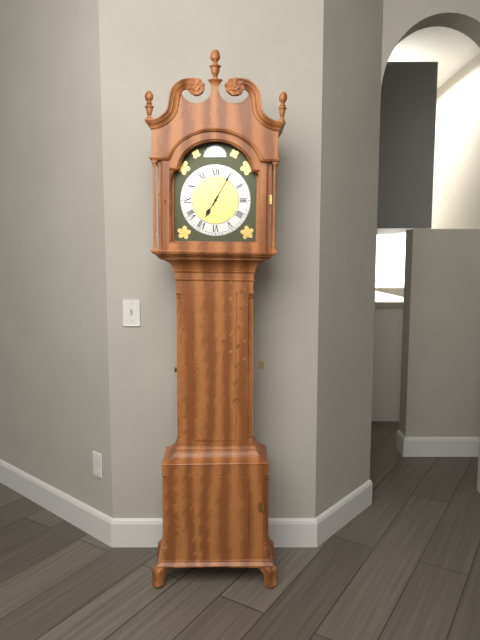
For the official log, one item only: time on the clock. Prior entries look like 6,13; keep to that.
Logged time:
7,05
